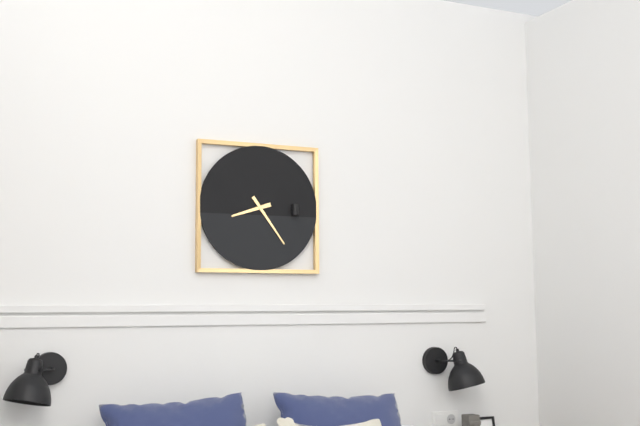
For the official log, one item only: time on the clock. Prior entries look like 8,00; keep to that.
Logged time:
8,24
